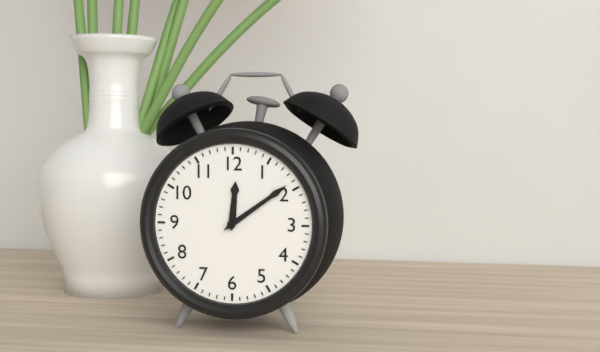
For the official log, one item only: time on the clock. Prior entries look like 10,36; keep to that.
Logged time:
12,09
